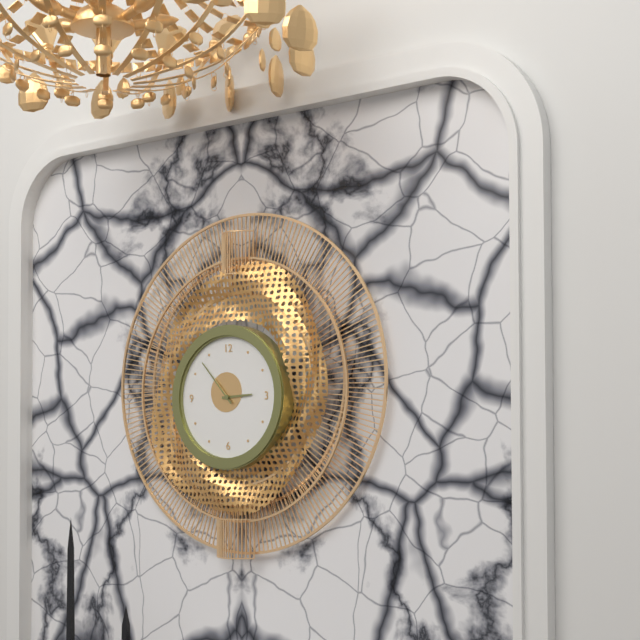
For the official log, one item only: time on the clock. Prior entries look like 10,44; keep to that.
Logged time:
2,53
